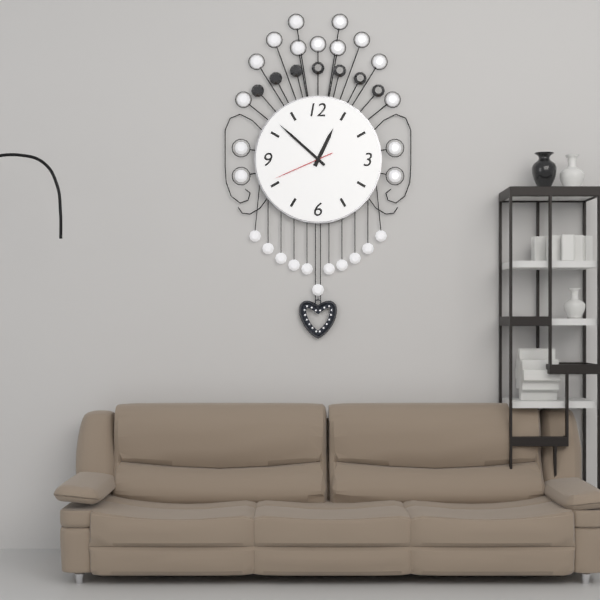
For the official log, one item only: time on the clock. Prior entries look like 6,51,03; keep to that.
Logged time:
12,52,41
